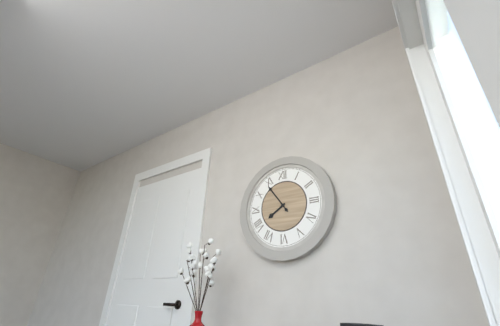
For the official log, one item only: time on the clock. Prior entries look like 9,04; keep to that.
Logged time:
7,54
